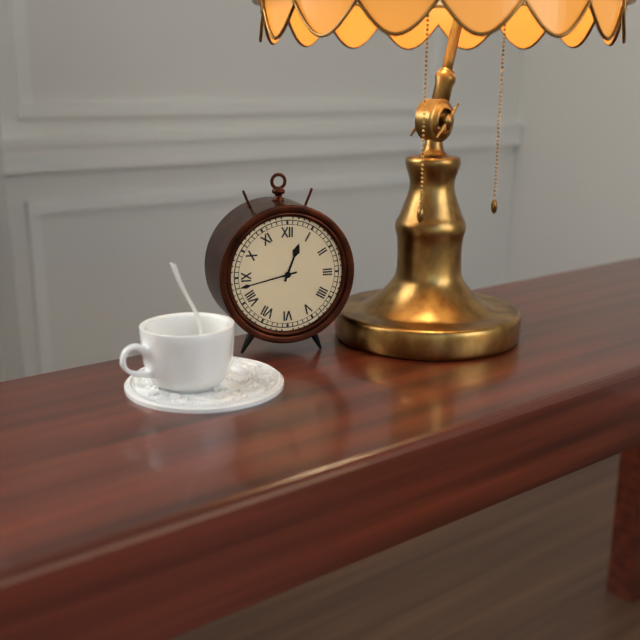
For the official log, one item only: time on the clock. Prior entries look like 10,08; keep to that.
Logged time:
12,43
